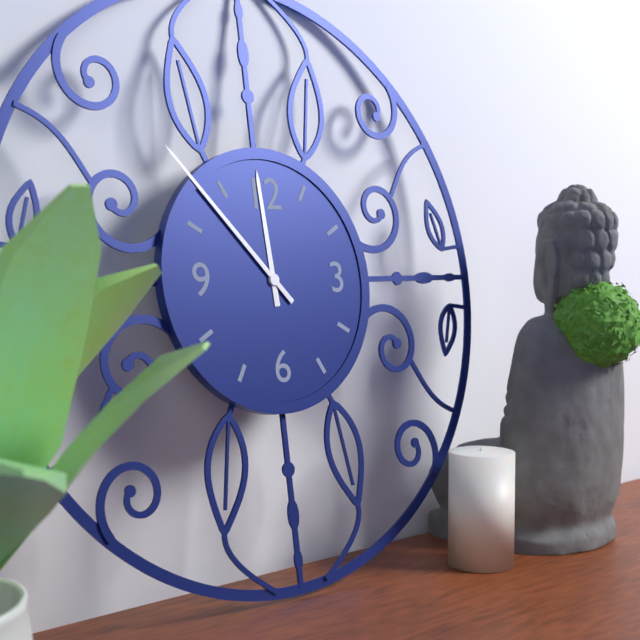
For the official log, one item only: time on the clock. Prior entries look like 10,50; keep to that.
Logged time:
11,53
